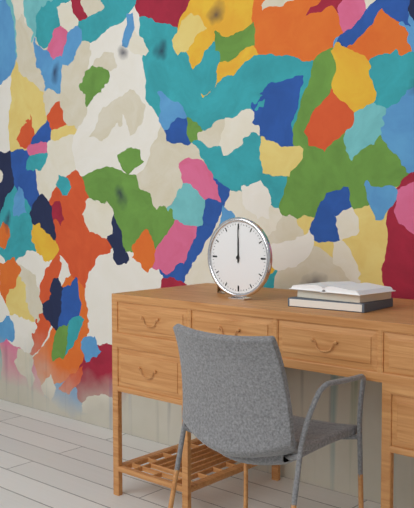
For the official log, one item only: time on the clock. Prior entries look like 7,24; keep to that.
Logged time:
12,00
